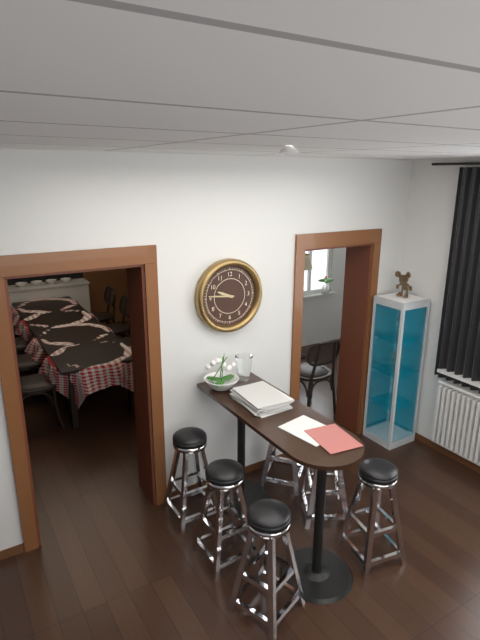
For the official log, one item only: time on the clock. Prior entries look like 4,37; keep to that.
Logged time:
9,46
